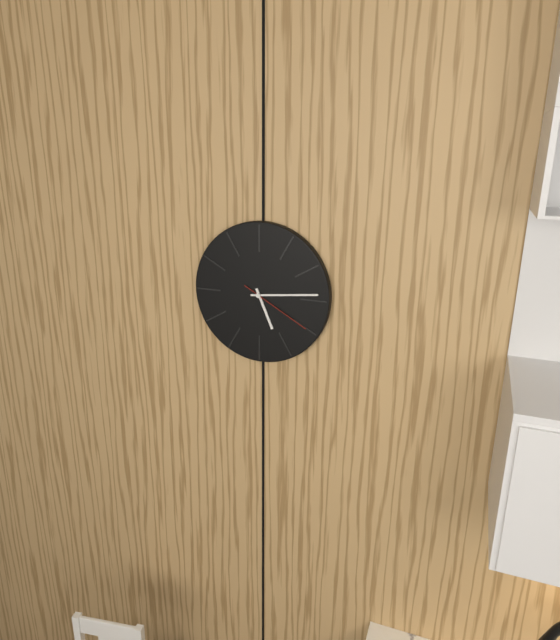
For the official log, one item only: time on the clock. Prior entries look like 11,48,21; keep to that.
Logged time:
5,14,20
